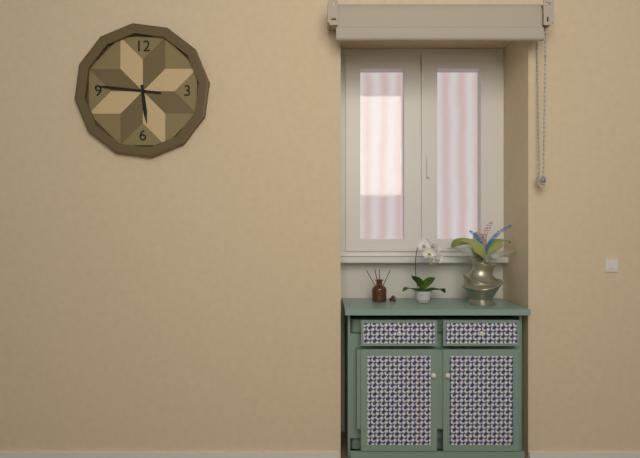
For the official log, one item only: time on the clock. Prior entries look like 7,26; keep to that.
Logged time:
5,46
